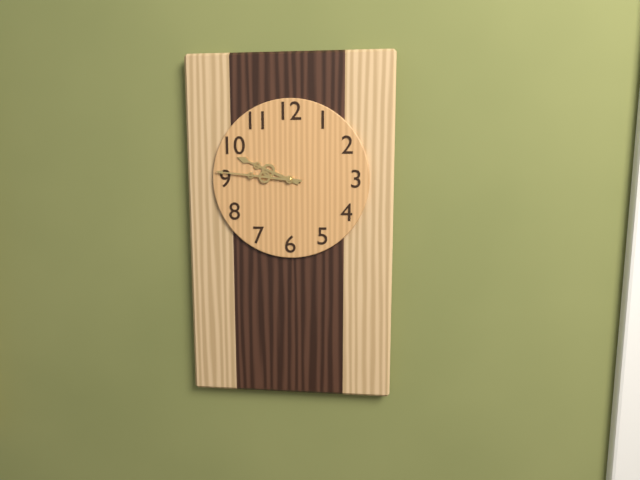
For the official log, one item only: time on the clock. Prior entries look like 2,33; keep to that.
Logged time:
9,46
